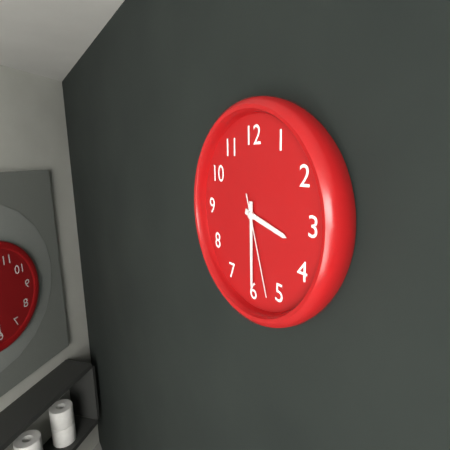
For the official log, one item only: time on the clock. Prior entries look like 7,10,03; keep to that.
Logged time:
3,30,27
